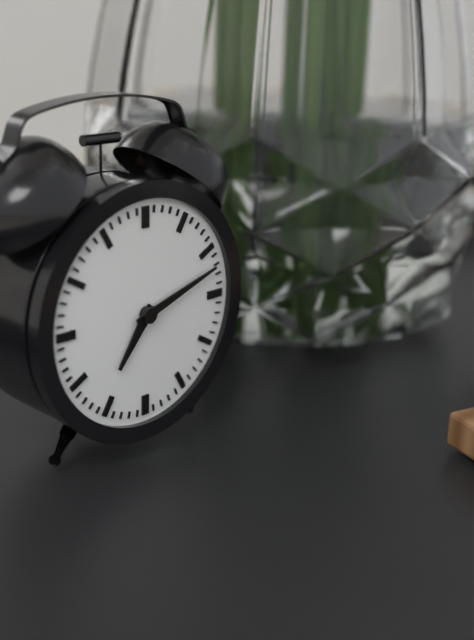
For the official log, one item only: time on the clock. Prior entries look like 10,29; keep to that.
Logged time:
7,12
